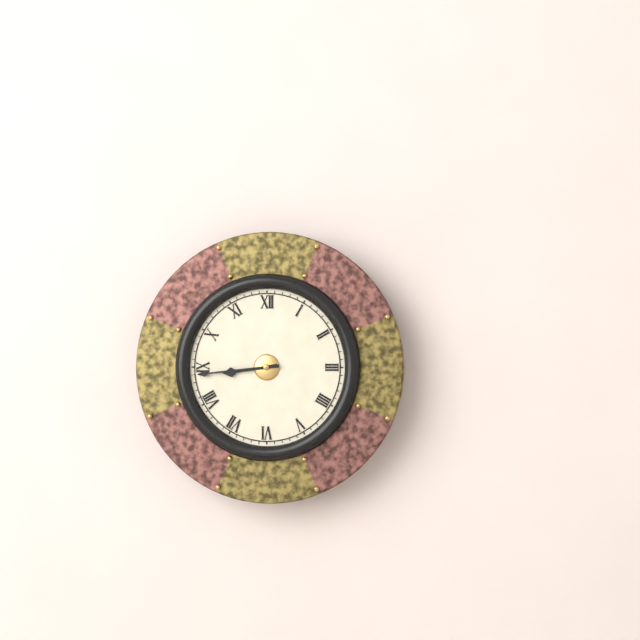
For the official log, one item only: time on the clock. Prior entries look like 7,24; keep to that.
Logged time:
8,44
